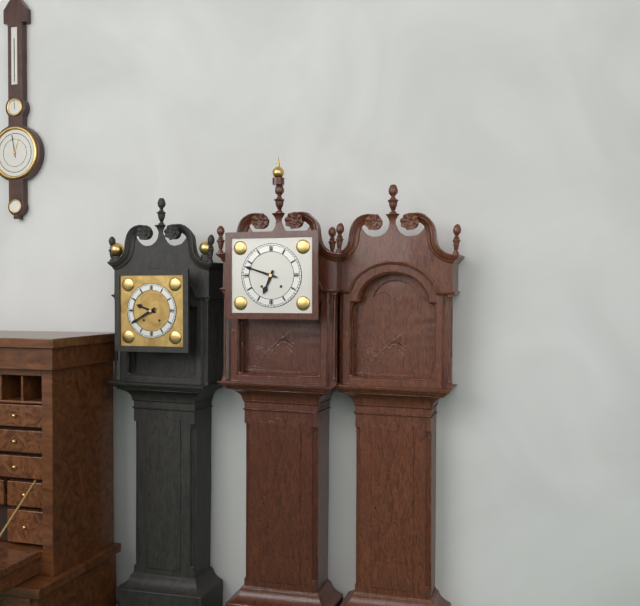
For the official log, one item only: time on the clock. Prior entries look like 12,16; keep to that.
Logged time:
6,48
